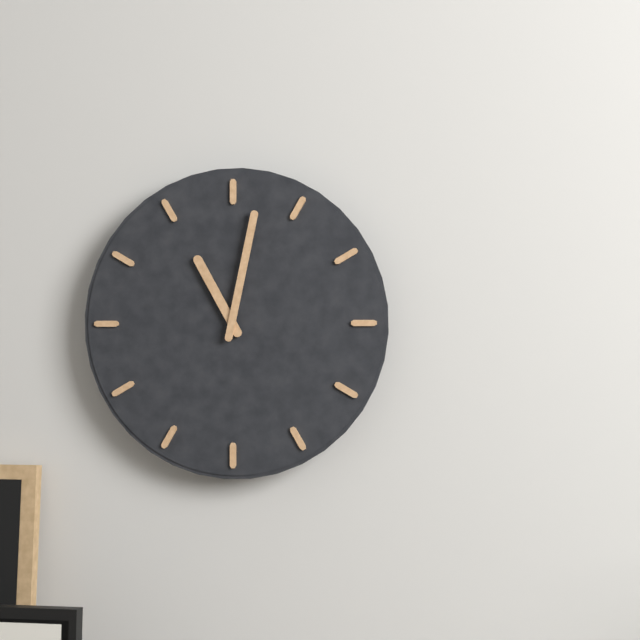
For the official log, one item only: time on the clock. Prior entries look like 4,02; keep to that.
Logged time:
11,02
